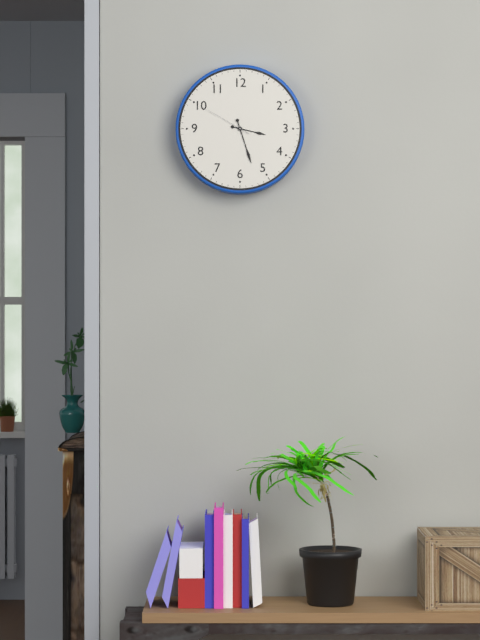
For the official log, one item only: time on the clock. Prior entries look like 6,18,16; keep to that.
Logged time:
3,27,50
